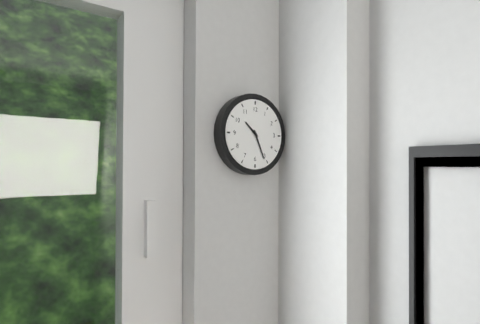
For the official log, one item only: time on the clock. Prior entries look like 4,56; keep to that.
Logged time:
10,26
